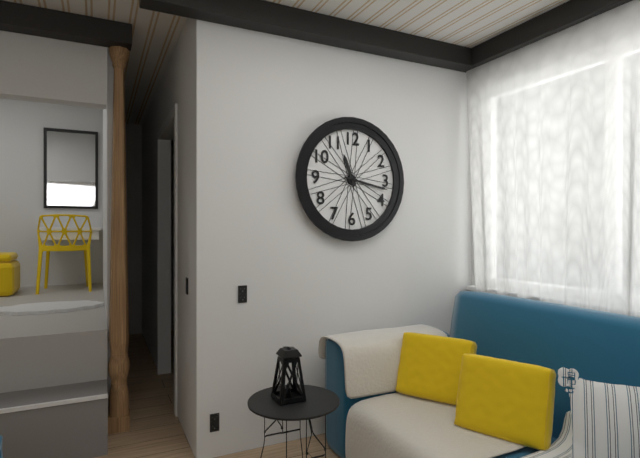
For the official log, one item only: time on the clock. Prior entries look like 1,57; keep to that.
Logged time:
11,17
